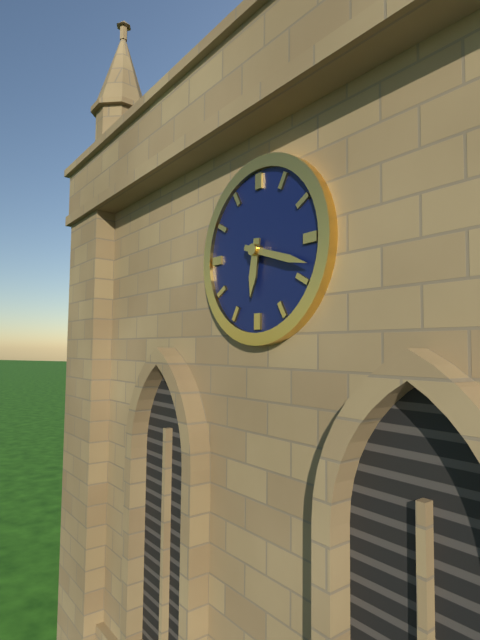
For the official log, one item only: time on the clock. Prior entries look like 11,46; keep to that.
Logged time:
6,18
